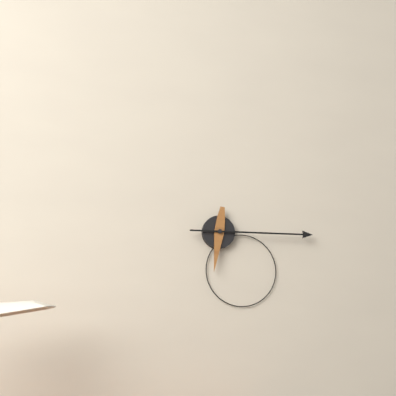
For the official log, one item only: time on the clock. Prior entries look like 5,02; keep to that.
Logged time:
6,15
